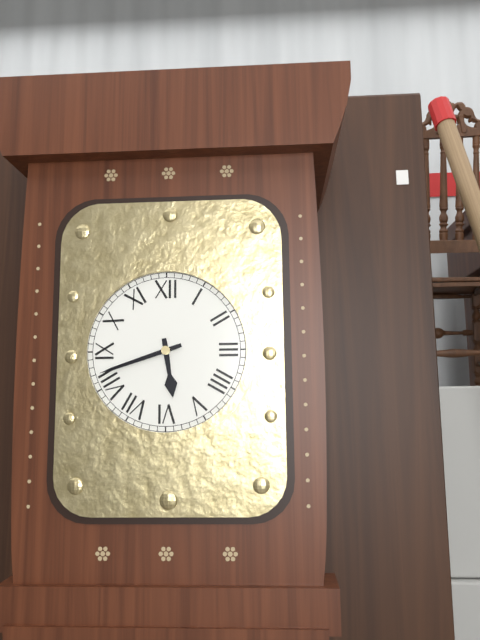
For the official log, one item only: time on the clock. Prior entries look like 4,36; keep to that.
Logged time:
5,42
